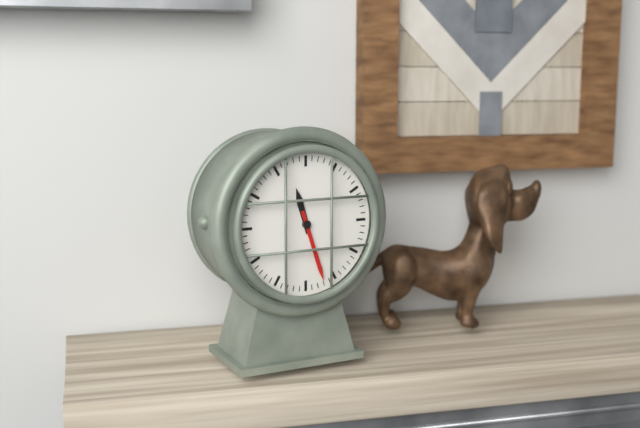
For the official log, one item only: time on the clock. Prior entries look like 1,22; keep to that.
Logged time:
11,27
